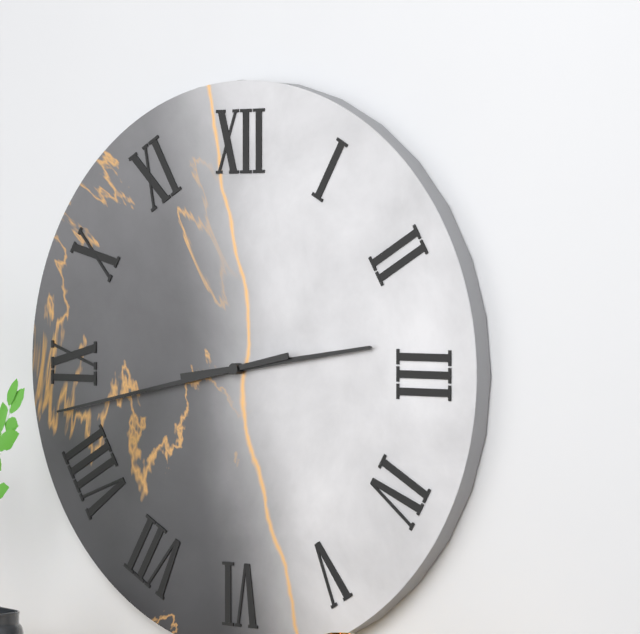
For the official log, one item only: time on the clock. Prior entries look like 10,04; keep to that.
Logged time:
2,43
